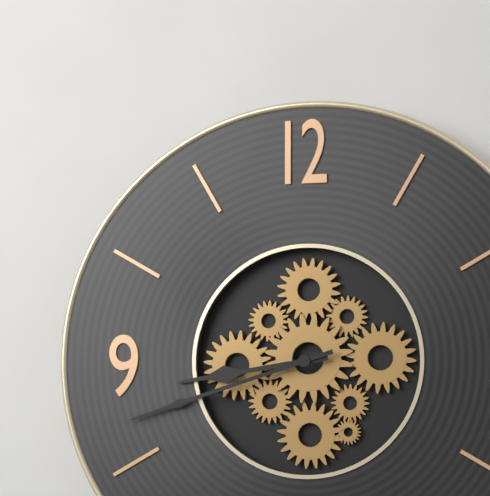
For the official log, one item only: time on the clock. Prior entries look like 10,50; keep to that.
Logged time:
8,42
